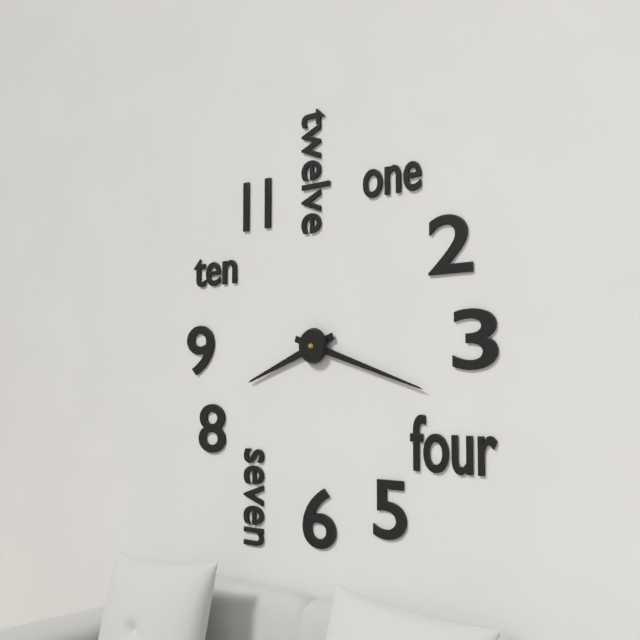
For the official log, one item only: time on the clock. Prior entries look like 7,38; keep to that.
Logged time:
8,18
